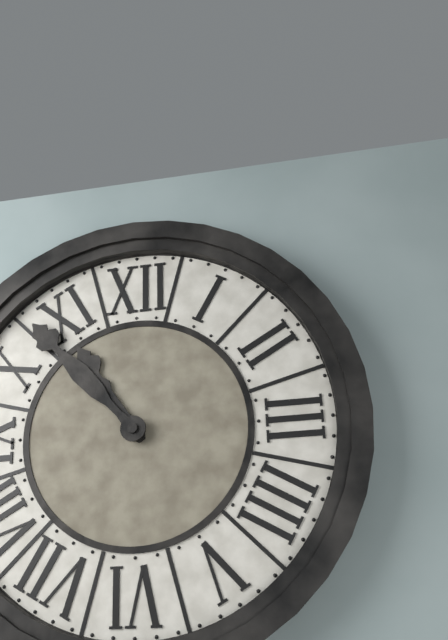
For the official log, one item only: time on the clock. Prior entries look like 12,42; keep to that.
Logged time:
10,53
